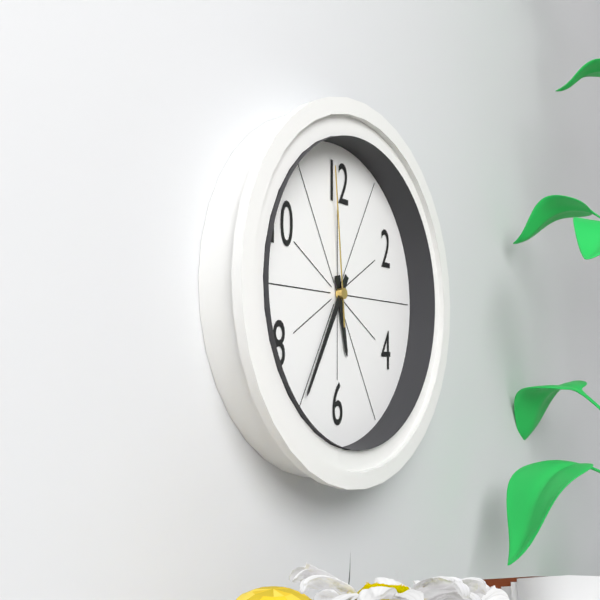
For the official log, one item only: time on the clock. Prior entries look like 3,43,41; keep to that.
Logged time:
5,35,59
